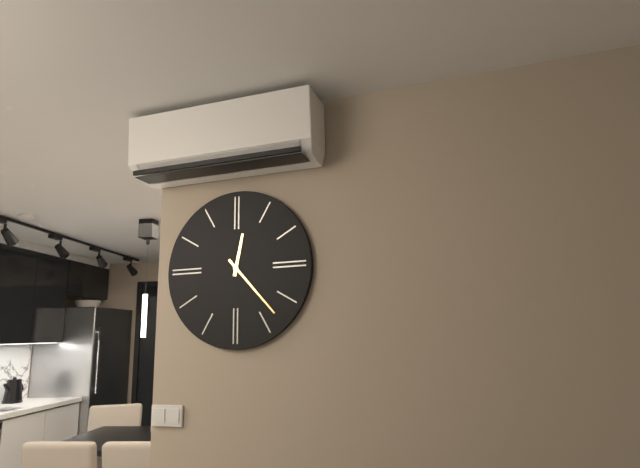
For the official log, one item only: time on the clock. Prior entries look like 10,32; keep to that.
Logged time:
12,23
